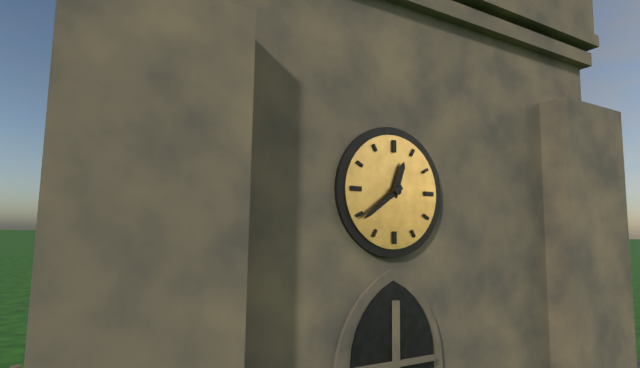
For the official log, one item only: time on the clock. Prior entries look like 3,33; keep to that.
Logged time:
12,39
